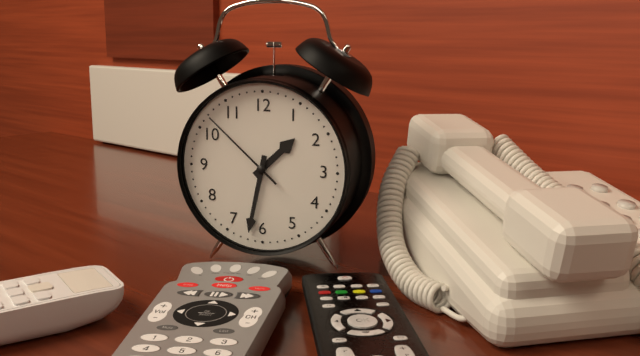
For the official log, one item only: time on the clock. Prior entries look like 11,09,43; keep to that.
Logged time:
1,32,52
